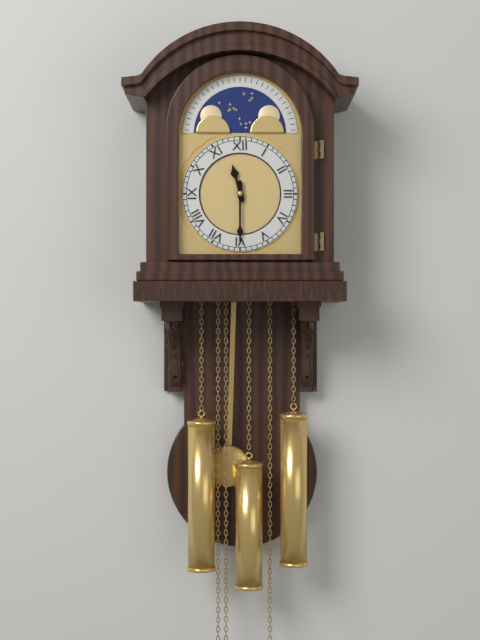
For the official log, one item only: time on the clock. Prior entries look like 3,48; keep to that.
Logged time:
11,30
